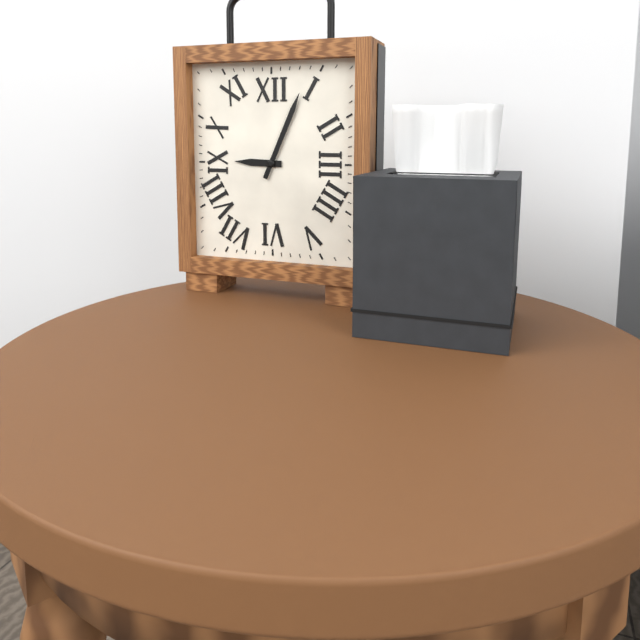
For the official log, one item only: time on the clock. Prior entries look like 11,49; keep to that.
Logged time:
9,04
